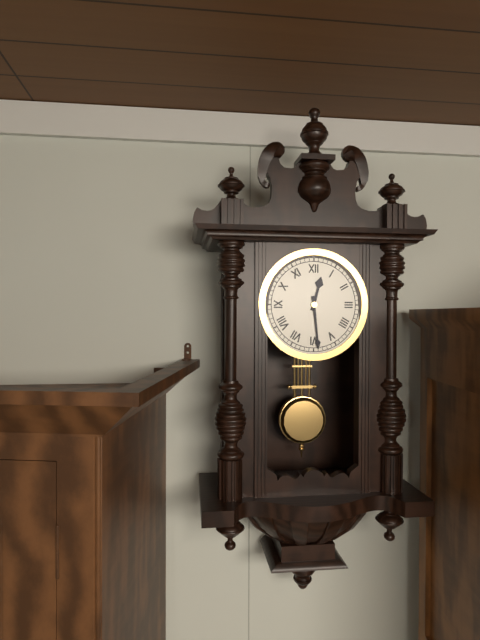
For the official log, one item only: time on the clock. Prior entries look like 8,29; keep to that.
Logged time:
12,29
